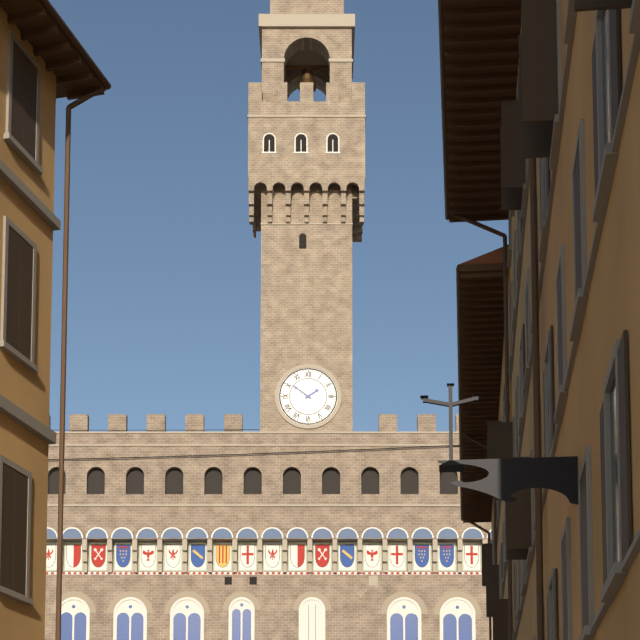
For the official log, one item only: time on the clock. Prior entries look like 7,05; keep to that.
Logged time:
1,51
